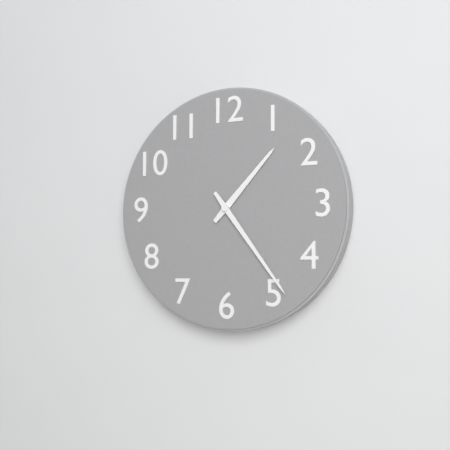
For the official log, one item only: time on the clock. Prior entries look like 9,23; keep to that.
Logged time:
1,24
